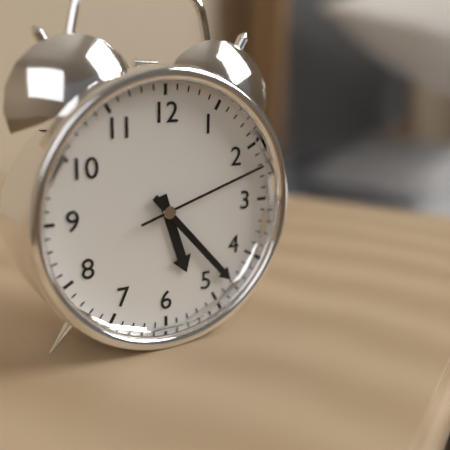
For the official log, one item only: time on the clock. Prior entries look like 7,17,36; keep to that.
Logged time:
5,23,12
